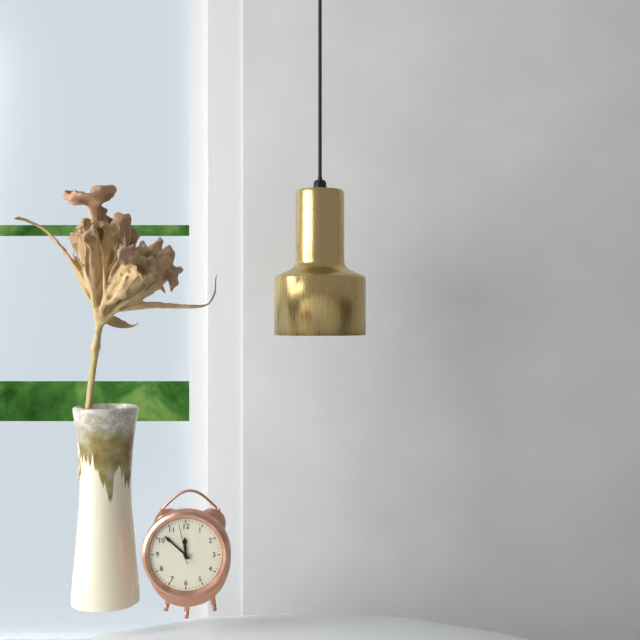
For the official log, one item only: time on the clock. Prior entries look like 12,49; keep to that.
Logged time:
11,52
